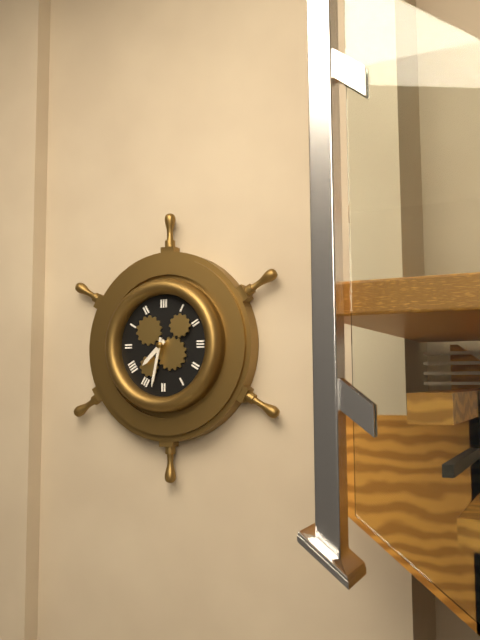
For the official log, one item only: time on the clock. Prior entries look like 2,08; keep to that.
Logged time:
7,32
